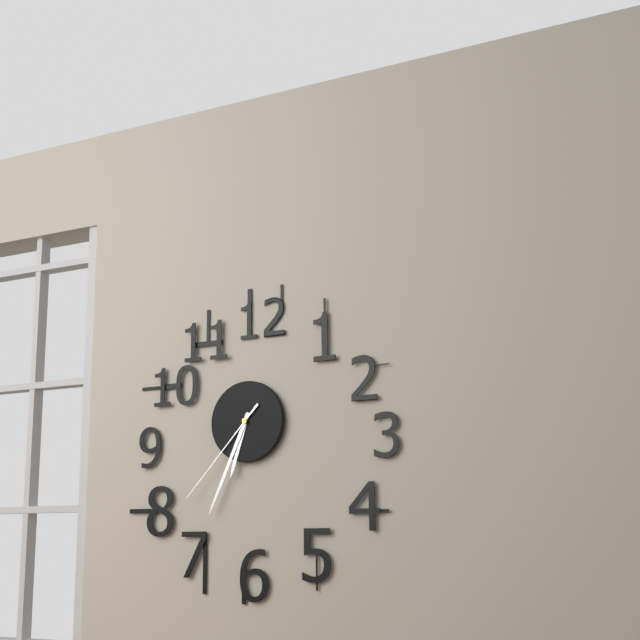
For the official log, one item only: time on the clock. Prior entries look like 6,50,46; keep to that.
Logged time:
6,34,37
